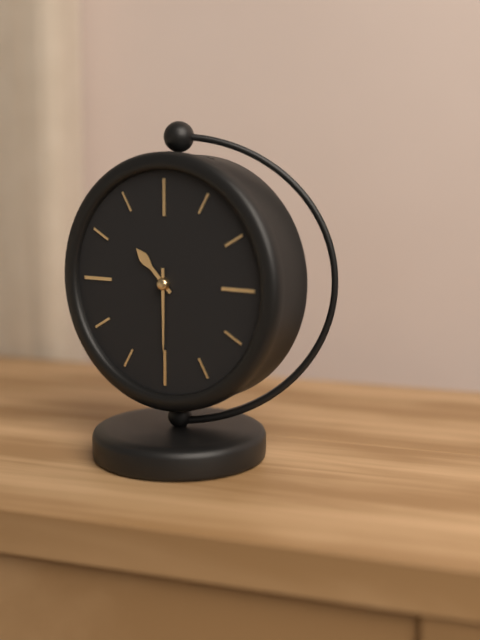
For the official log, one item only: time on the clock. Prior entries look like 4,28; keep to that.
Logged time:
10,30
